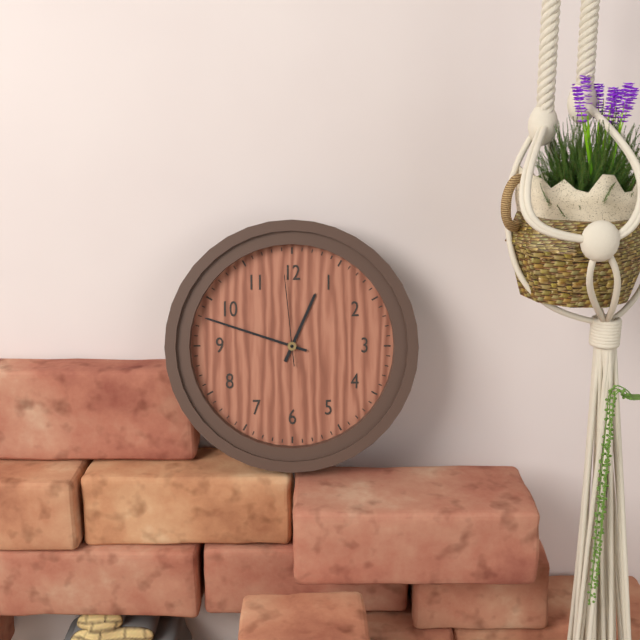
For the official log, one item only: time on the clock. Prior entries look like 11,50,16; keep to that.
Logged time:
12,48,59
